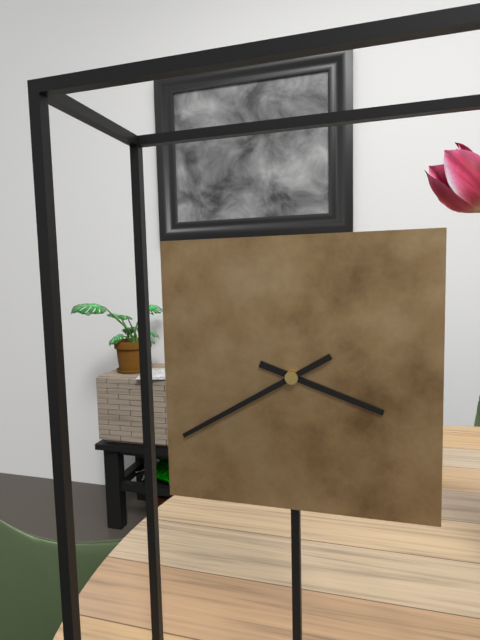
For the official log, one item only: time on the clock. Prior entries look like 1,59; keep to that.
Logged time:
3,40
